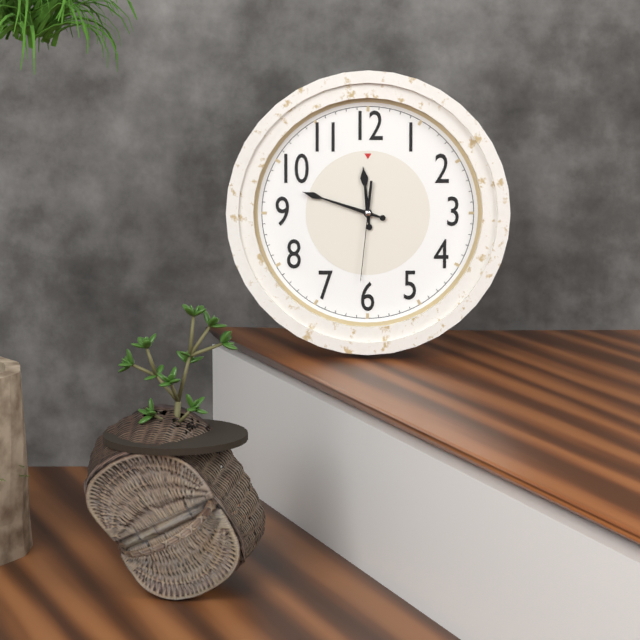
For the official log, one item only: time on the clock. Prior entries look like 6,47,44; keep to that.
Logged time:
11,48,31
